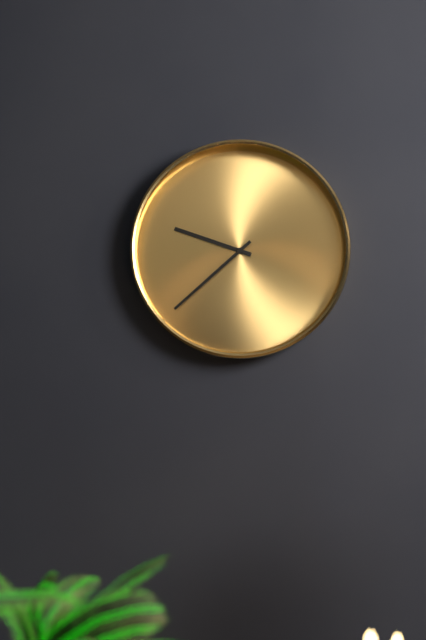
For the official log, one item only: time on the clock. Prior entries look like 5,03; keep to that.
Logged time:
9,38
